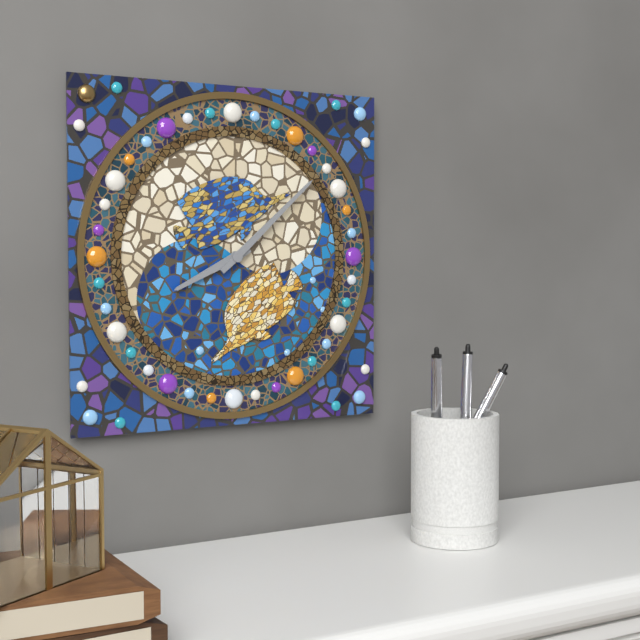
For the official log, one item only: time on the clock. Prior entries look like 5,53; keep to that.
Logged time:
8,08
